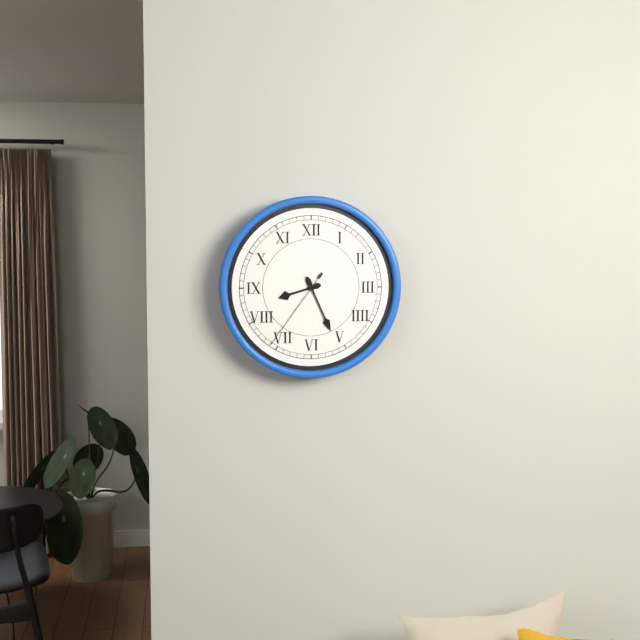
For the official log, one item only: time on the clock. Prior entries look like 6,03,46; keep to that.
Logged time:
8,26,36
